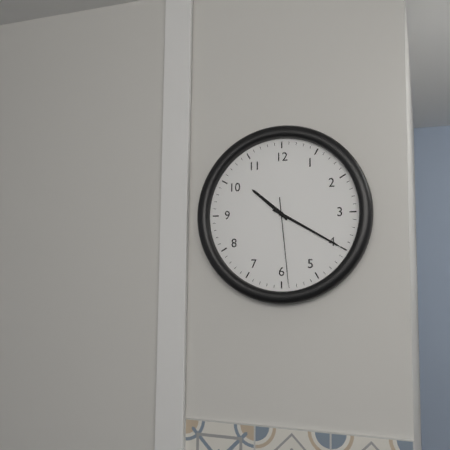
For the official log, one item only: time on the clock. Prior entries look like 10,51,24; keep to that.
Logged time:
10,20,29
